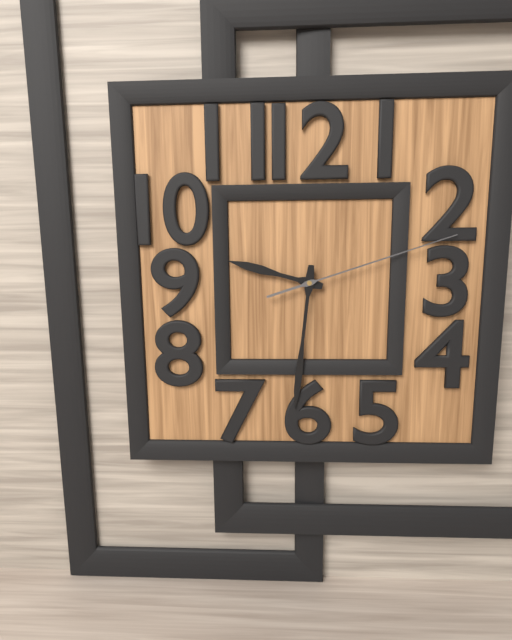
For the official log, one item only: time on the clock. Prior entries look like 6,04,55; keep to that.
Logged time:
9,31,12
